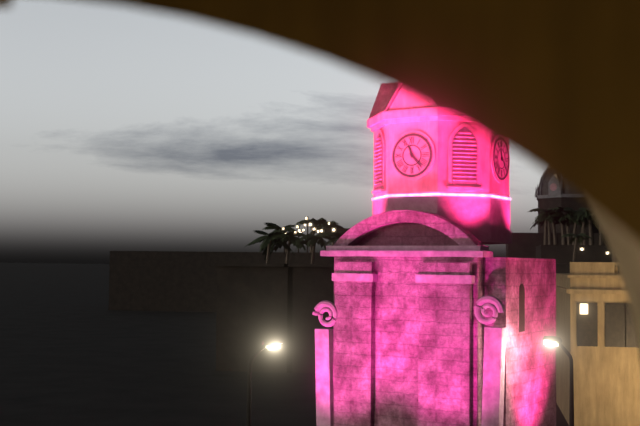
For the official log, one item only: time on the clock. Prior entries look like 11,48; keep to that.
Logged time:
11,23
